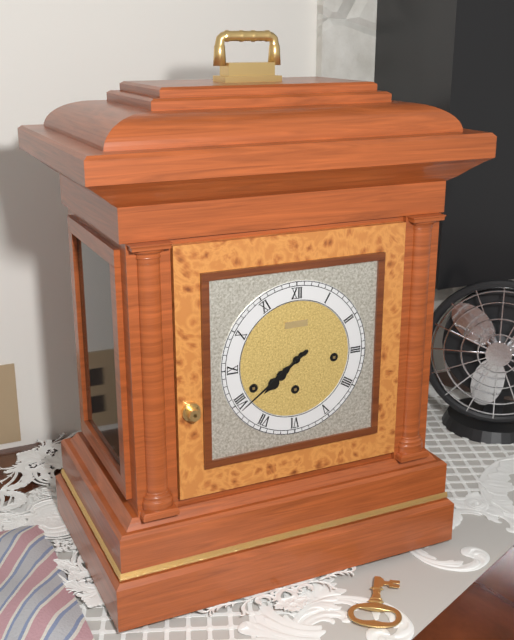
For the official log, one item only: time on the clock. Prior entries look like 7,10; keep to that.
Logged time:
7,39
